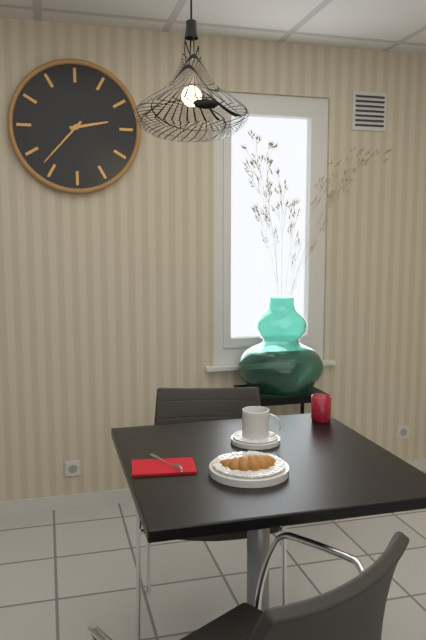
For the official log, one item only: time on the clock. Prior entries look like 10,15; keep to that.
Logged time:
2,37
